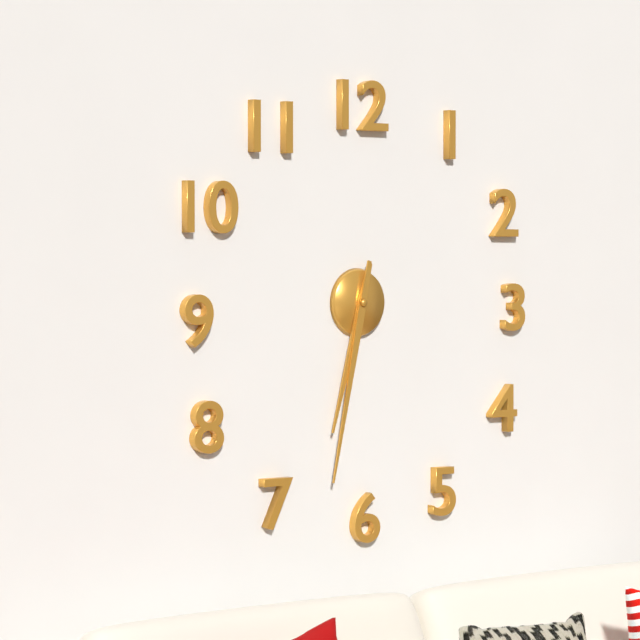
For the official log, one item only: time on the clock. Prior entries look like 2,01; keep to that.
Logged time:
6,32
